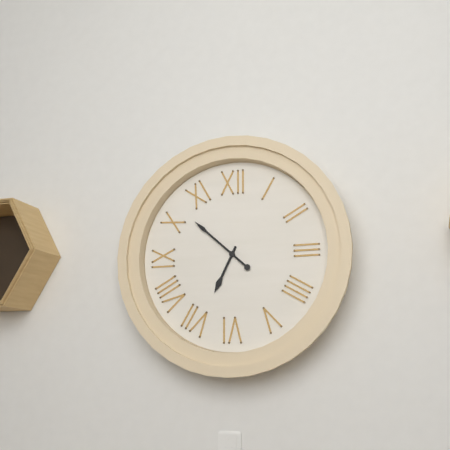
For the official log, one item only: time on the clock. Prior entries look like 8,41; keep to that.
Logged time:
6,52
